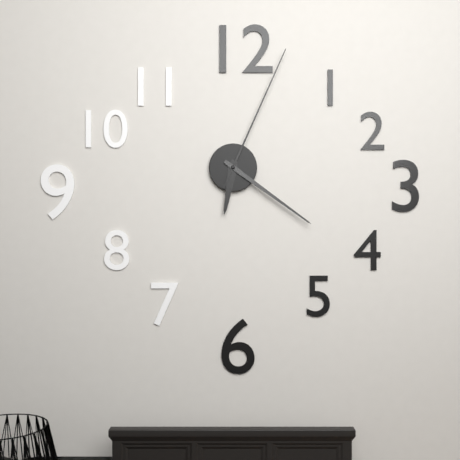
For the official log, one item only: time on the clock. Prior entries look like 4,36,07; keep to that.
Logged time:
6,21,04
